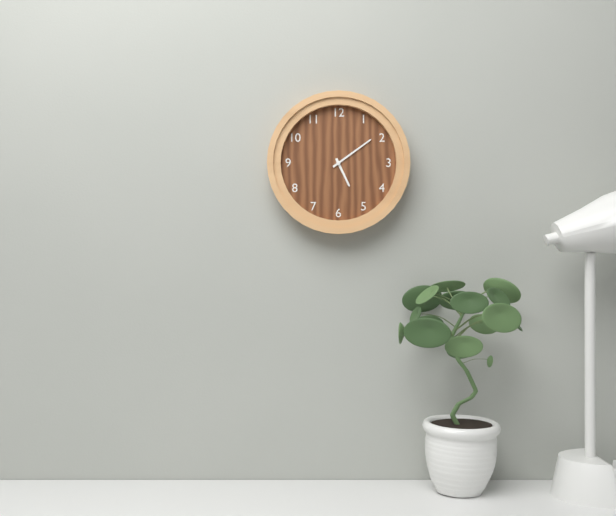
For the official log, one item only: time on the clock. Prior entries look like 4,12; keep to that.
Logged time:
5,09
